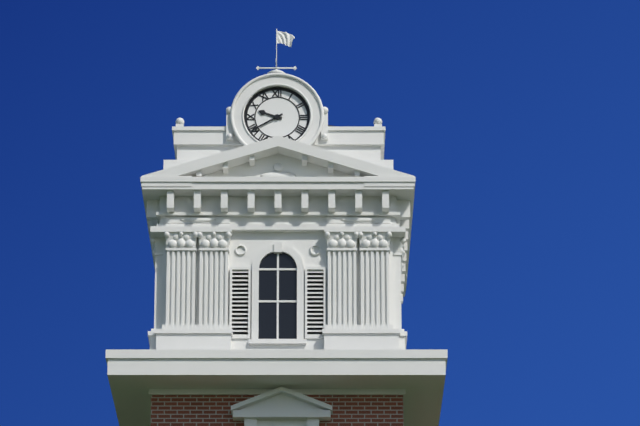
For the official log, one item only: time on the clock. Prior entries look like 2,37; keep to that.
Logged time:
9,40
